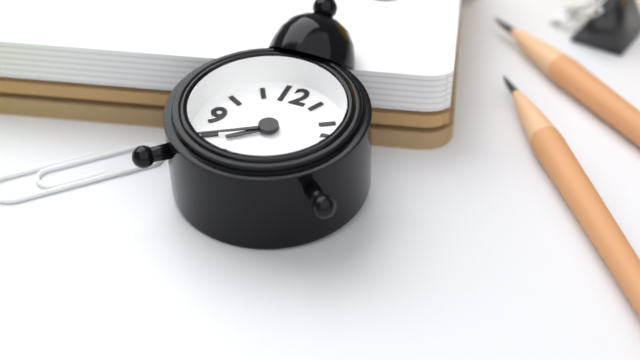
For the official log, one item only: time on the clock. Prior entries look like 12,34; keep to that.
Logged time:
7,40
